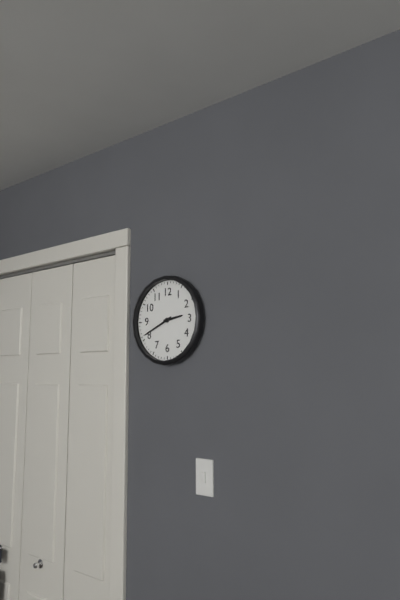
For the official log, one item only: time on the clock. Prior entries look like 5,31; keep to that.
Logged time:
2,41
